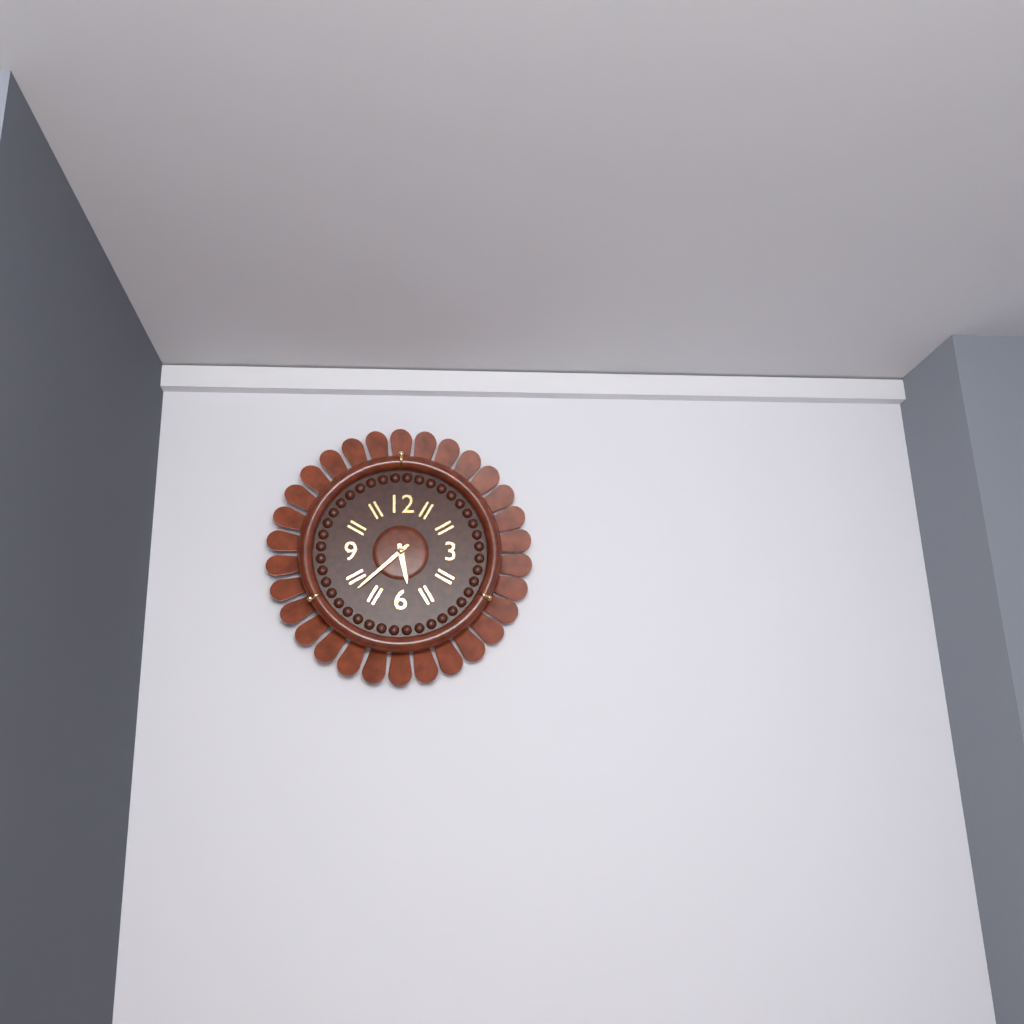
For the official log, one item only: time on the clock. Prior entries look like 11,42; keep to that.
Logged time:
5,38
